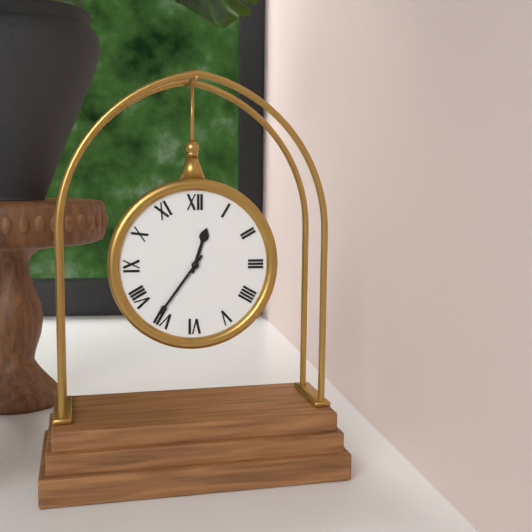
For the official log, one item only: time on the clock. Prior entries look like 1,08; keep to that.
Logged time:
12,36
